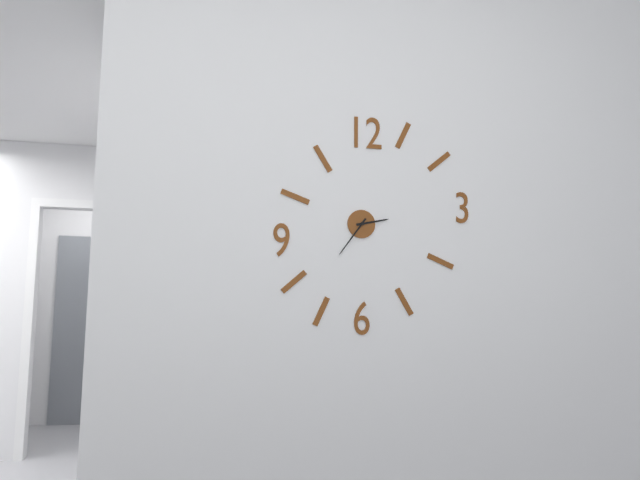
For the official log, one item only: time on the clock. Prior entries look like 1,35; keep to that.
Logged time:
2,36
